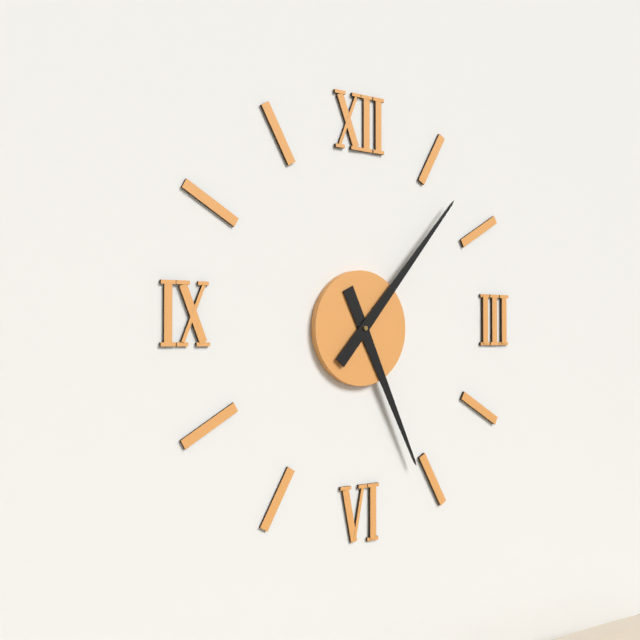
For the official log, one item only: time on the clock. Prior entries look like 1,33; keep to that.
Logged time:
5,07
